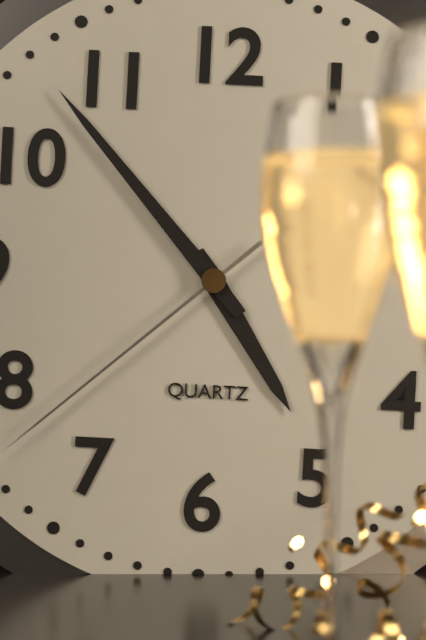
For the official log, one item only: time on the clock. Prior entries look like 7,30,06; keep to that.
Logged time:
4,53,38
